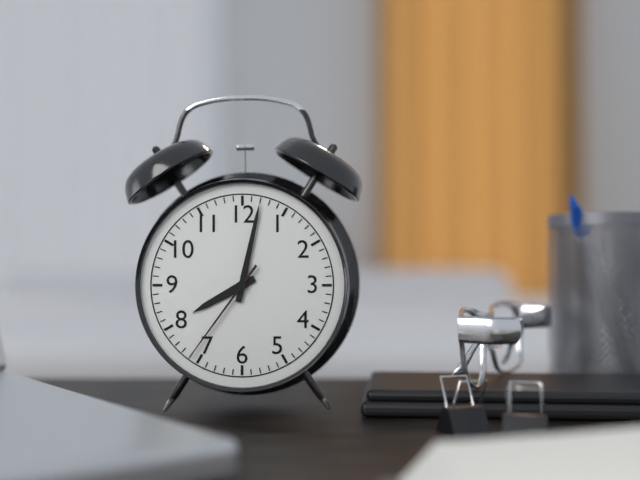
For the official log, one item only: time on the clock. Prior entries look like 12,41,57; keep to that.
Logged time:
8,02,36
